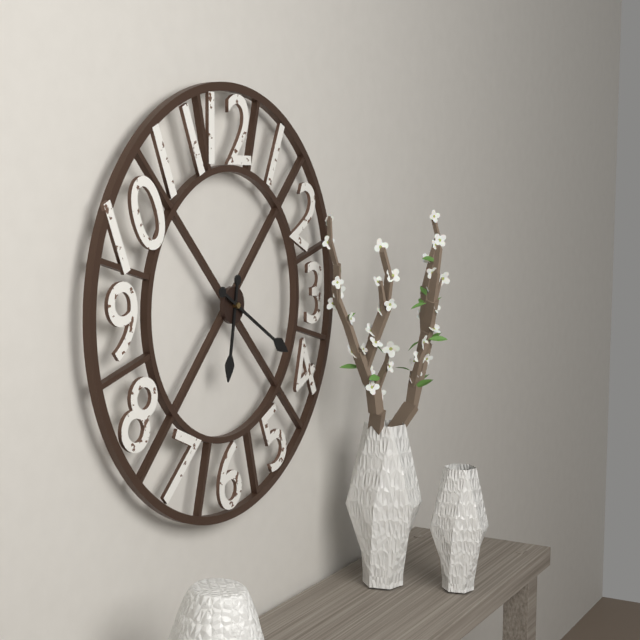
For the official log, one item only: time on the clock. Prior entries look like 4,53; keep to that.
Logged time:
6,20
